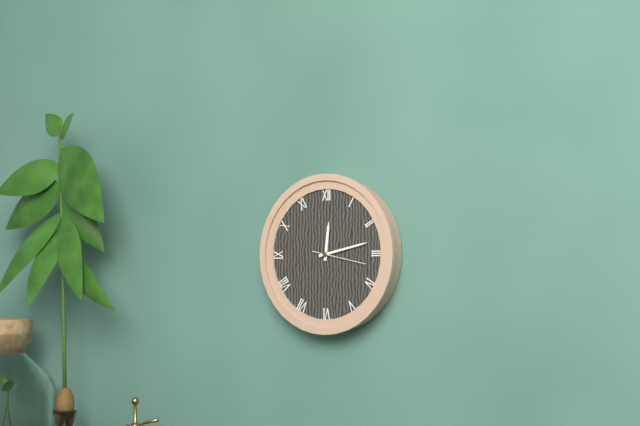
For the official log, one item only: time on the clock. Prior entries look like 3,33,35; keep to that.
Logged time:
12,13,17
